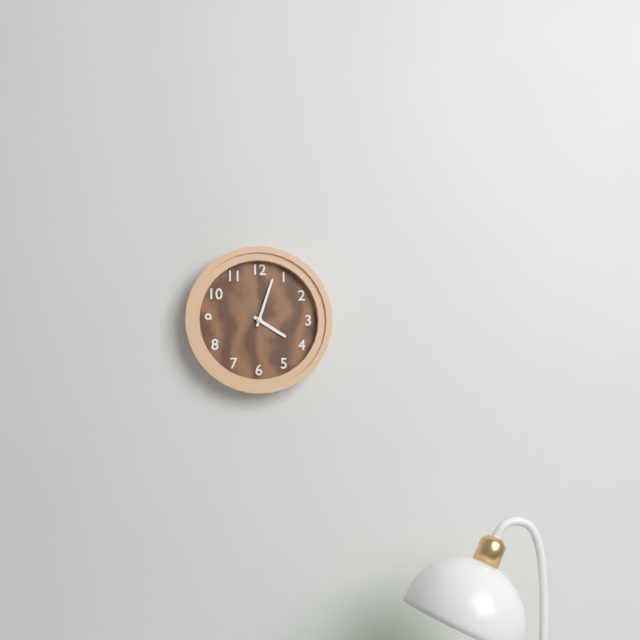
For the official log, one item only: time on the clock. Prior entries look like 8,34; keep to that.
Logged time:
4,03
